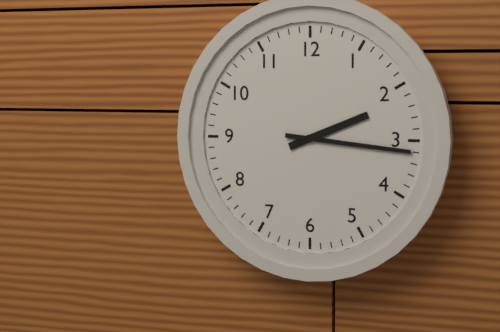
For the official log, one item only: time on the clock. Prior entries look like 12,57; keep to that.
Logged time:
2,16
